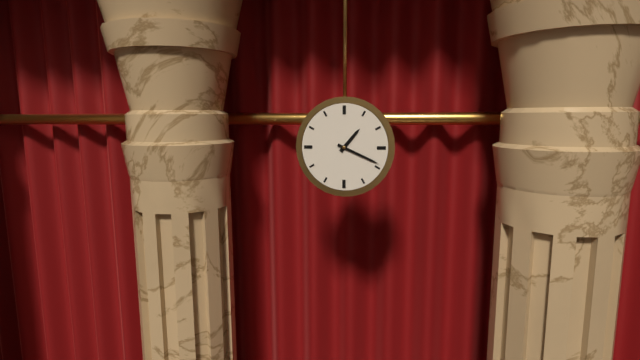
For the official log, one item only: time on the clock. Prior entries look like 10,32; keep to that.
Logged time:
1,19
